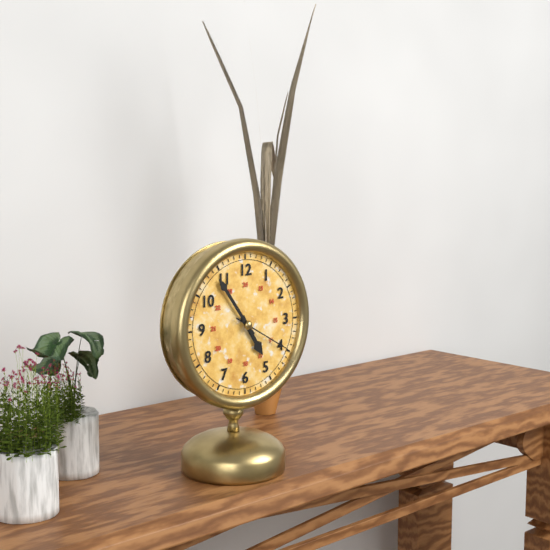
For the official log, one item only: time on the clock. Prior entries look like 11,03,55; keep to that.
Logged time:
4,54,20
